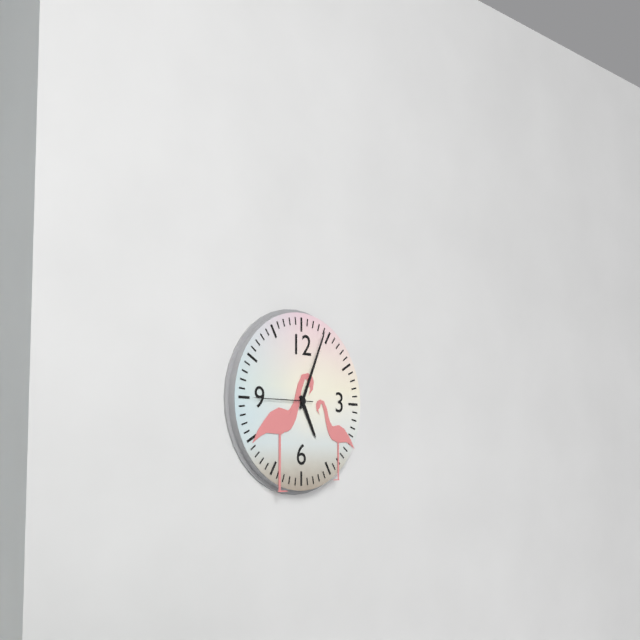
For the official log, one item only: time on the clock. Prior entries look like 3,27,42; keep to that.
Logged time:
5,04,45
